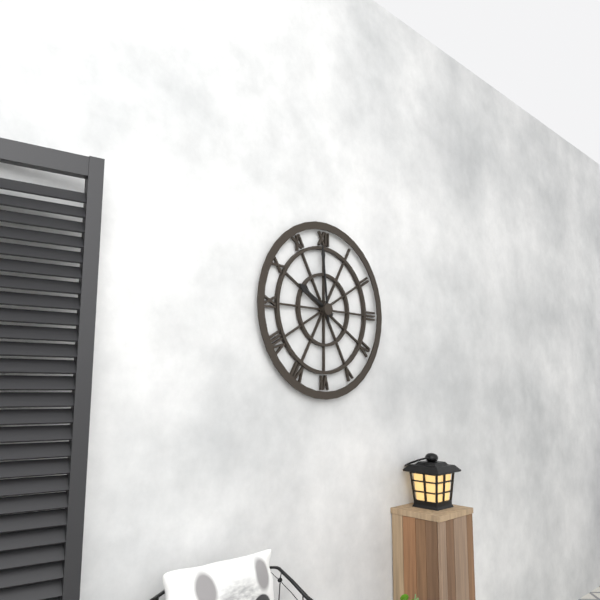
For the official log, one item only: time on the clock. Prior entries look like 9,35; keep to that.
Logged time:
9,59
